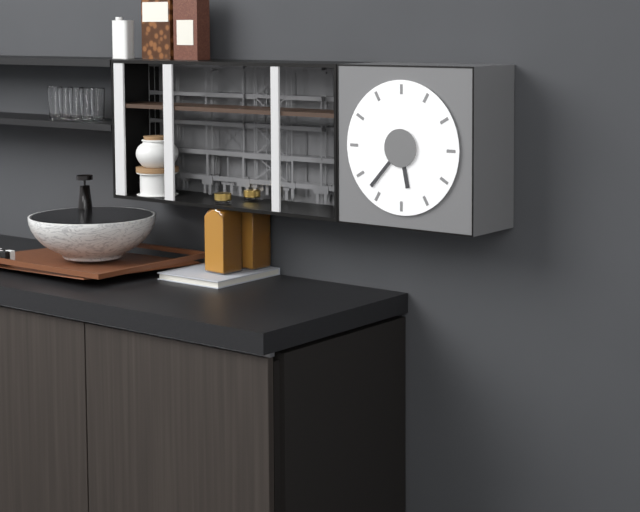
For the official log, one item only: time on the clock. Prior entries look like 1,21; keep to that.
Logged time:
5,37
